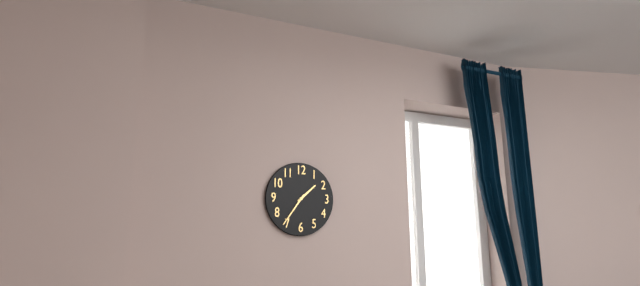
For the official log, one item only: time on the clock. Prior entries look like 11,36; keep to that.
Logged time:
1,36
